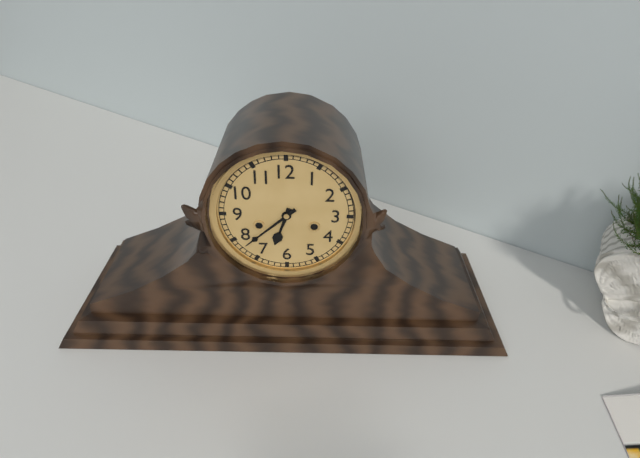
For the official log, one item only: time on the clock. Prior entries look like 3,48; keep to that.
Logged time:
6,38
